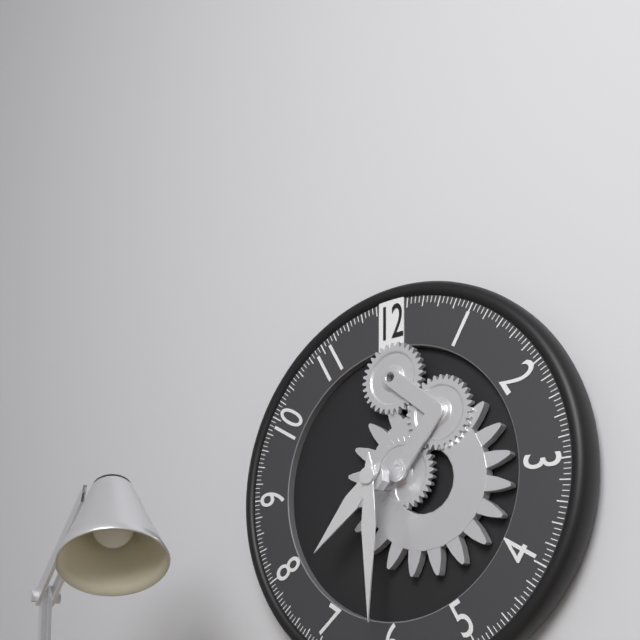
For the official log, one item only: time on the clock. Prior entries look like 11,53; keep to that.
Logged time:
7,30
